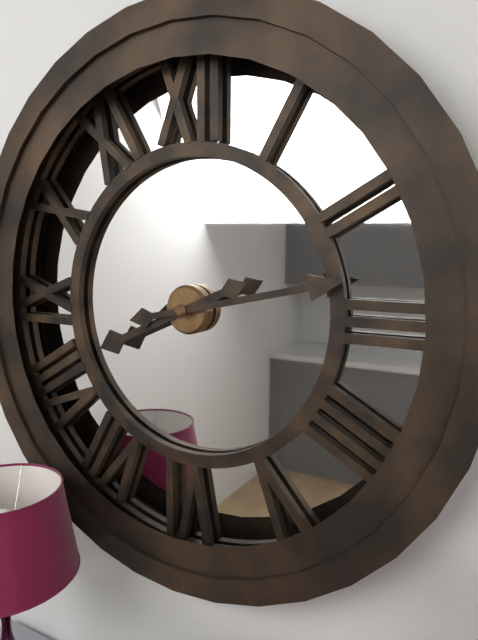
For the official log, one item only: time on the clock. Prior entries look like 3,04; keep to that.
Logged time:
8,13
